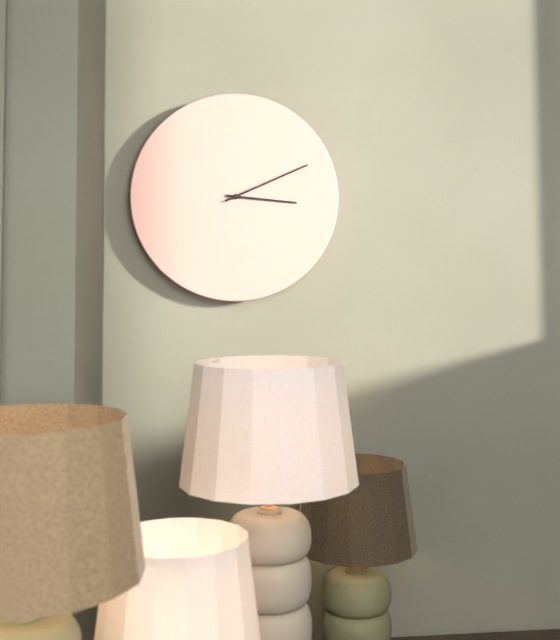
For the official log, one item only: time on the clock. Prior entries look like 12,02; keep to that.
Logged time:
3,11
